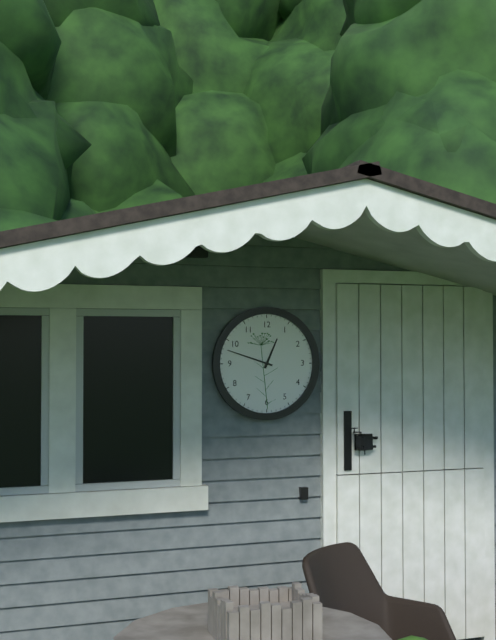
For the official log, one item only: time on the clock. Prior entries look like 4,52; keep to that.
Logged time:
12,48
